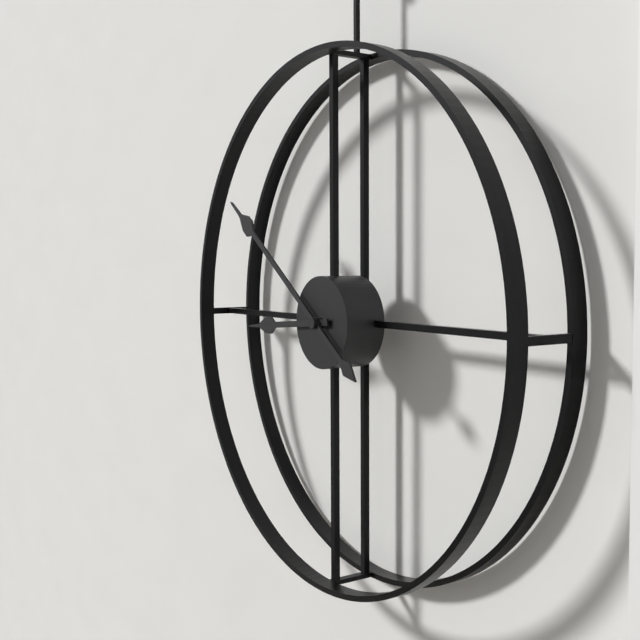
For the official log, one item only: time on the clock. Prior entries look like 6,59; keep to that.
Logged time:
8,51
